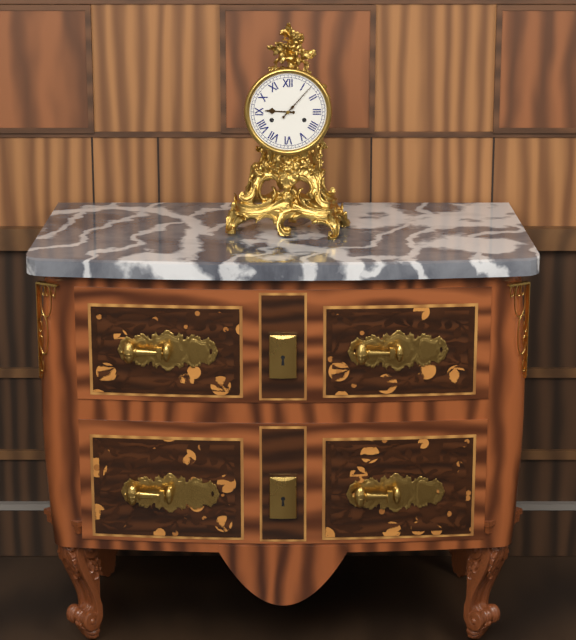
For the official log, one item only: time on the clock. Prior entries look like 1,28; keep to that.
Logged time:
9,07
